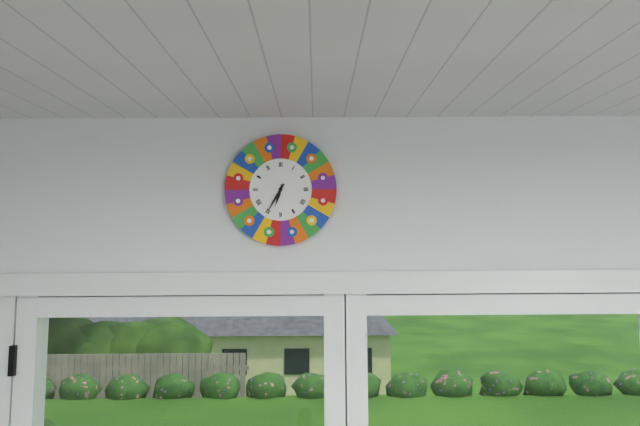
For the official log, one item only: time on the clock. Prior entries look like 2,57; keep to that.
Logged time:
6,35
